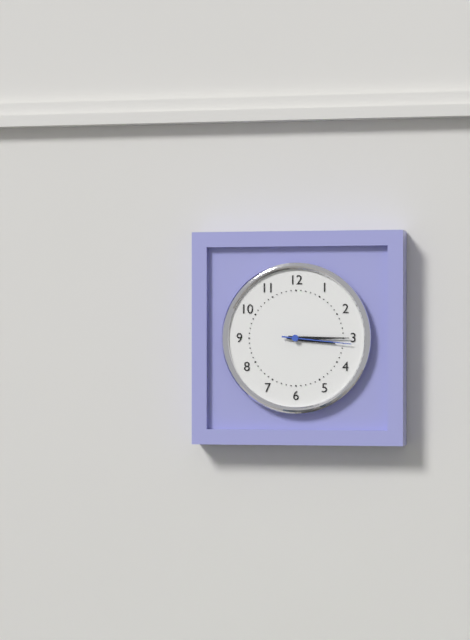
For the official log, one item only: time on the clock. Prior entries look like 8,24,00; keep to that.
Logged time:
3,15,16
